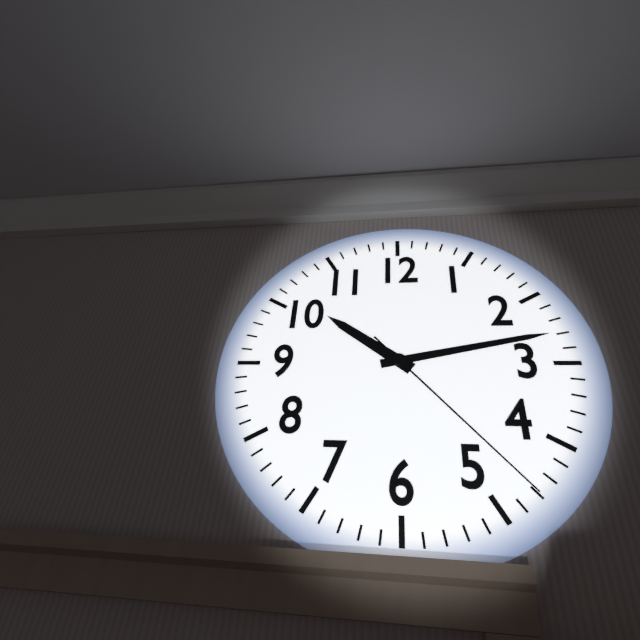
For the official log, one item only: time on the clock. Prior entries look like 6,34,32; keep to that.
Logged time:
10,13,23
